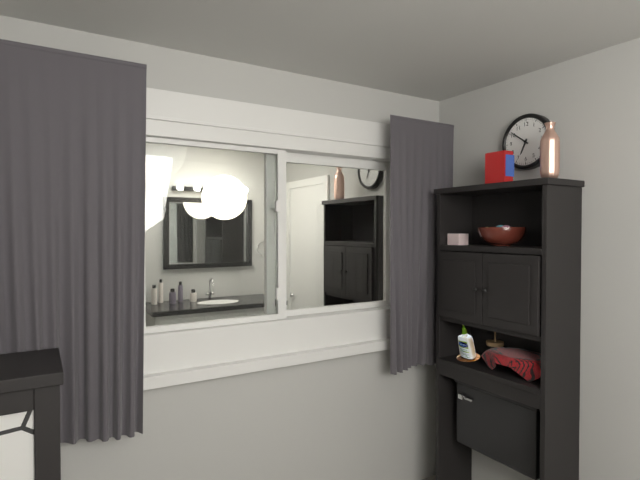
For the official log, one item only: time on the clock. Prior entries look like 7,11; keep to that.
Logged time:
6,51
